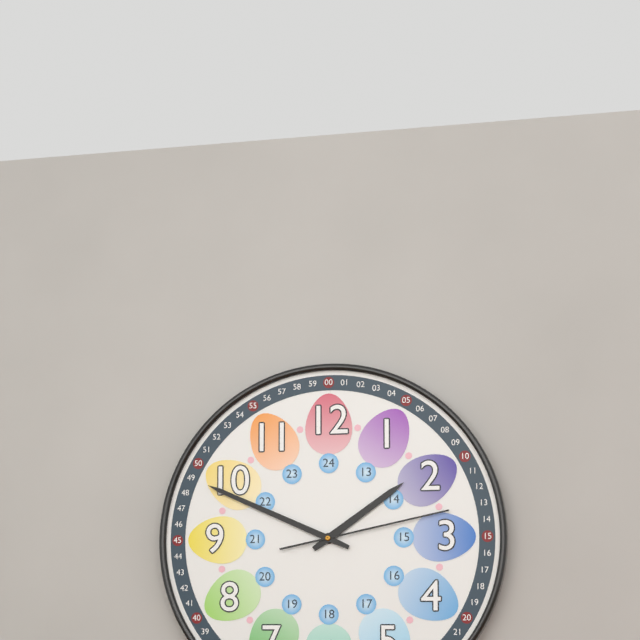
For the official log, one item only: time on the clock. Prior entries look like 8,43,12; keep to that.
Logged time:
1,49,13
